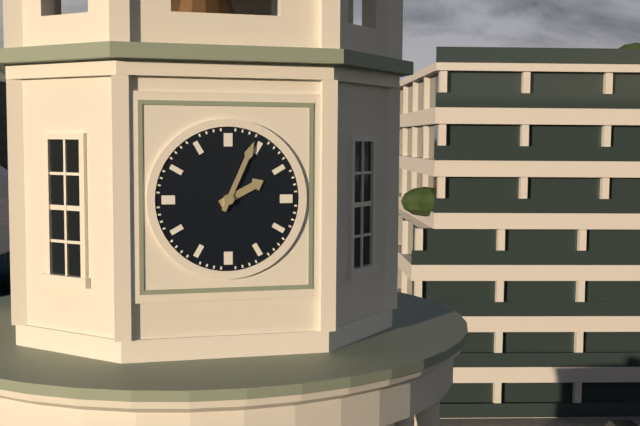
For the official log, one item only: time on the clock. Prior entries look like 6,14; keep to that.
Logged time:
2,04
